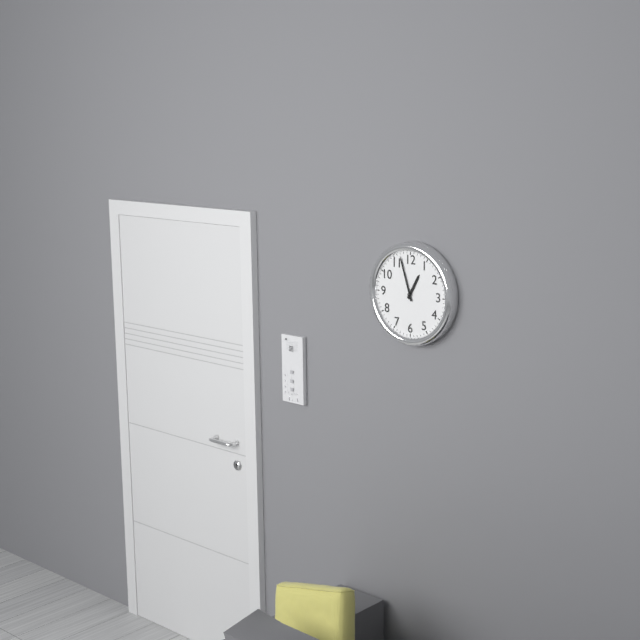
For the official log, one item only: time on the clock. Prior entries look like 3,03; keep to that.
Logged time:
12,57
